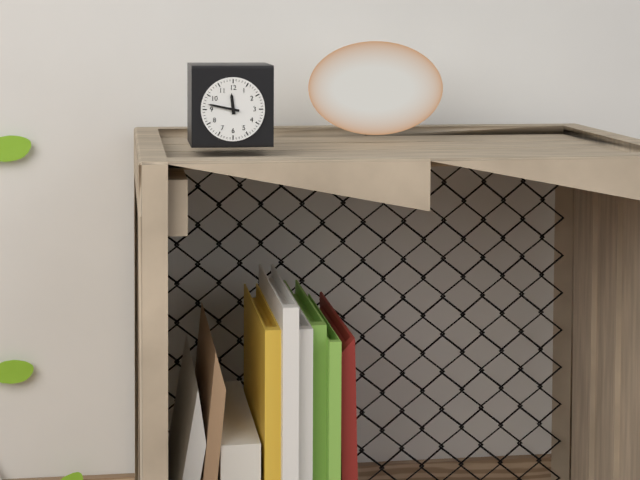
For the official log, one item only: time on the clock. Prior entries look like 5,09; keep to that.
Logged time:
11,47
